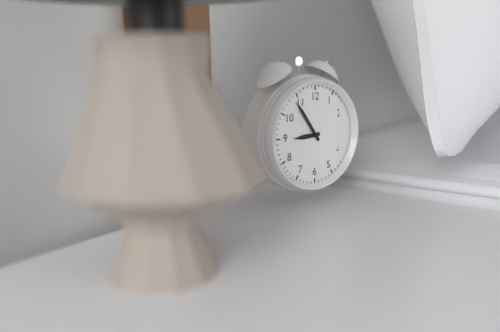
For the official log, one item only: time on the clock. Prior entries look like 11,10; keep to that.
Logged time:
8,54
